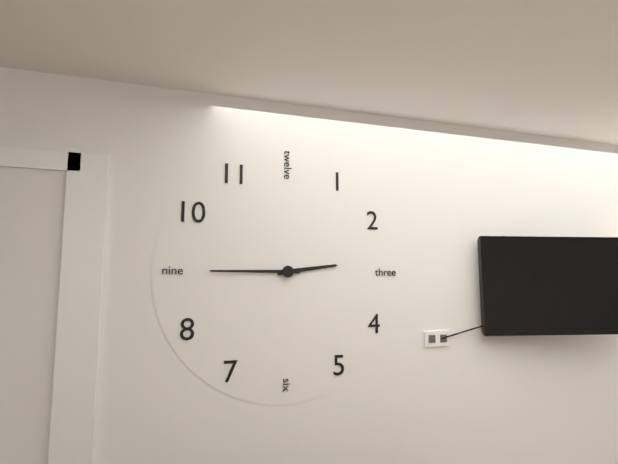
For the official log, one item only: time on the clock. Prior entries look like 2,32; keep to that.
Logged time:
2,45
